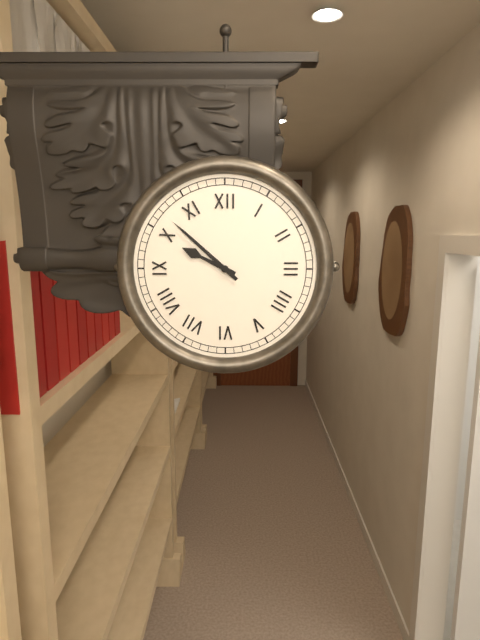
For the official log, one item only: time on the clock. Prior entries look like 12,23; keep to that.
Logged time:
9,52
